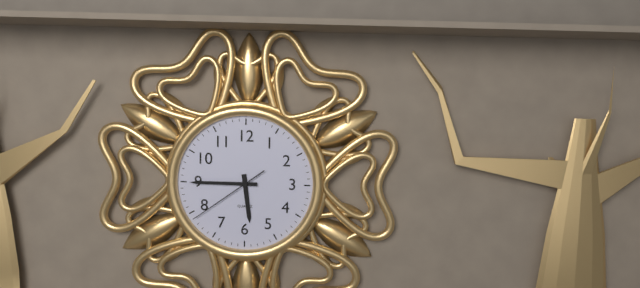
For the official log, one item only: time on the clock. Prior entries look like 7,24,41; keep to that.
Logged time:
5,45,39
